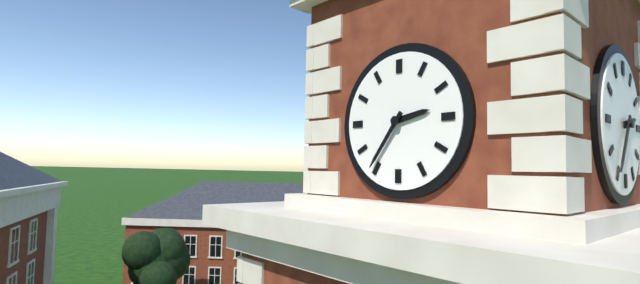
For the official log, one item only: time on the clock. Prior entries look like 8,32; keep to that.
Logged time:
2,36
